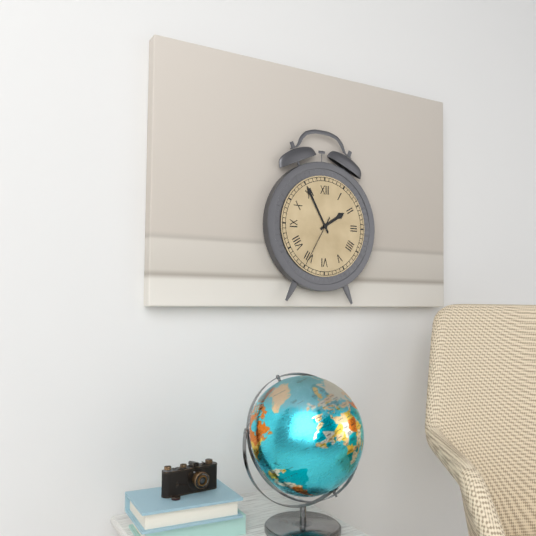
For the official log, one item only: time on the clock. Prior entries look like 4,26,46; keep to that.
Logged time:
1,55,35
